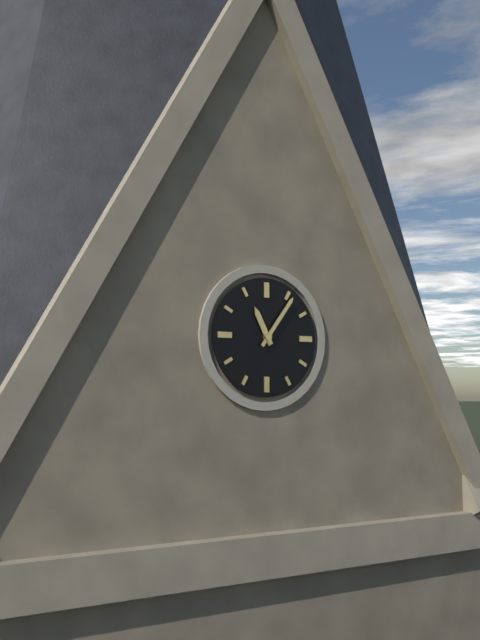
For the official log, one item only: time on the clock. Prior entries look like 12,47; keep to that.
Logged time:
11,06
